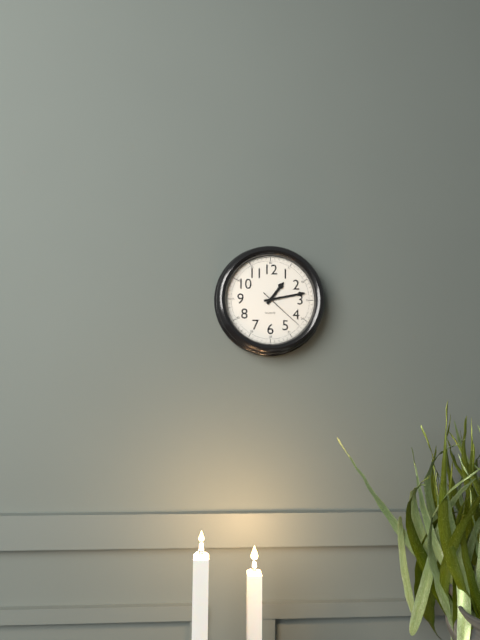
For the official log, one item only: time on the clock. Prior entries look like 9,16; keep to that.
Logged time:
1,13
